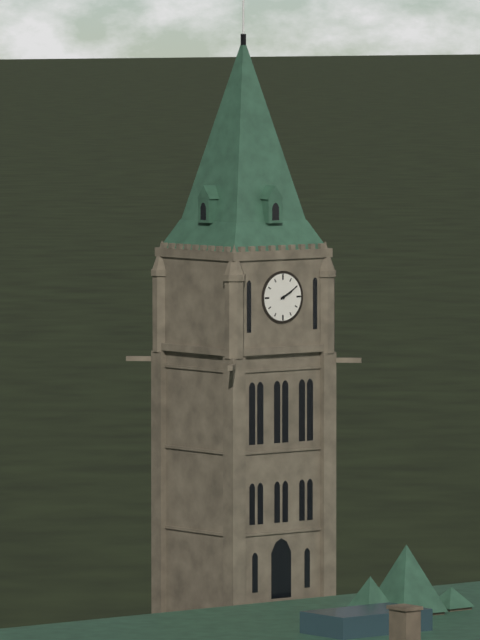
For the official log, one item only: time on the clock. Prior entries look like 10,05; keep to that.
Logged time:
2,10
